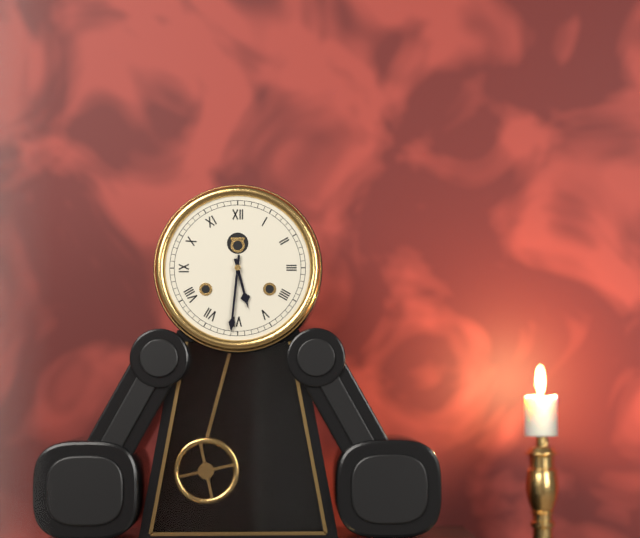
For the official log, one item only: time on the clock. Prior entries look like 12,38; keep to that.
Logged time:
5,31
